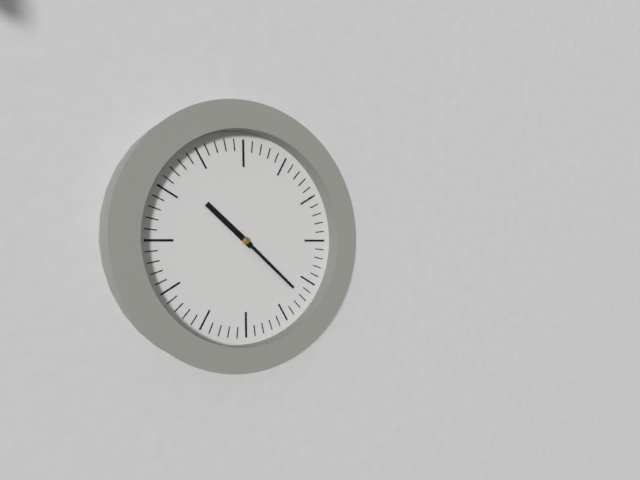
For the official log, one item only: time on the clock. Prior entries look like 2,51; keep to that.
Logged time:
10,22
